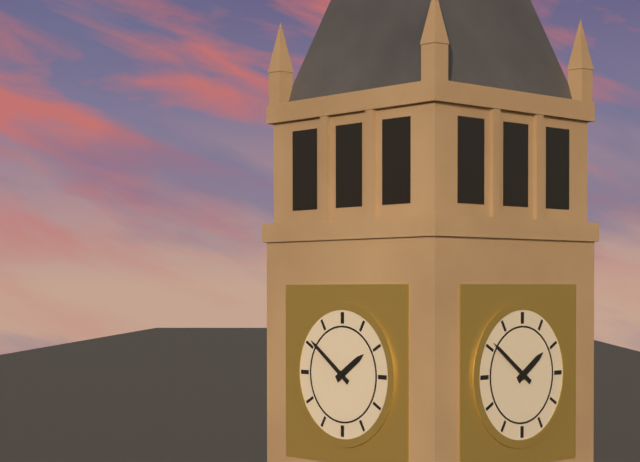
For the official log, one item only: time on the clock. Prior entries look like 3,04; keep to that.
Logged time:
1,51
